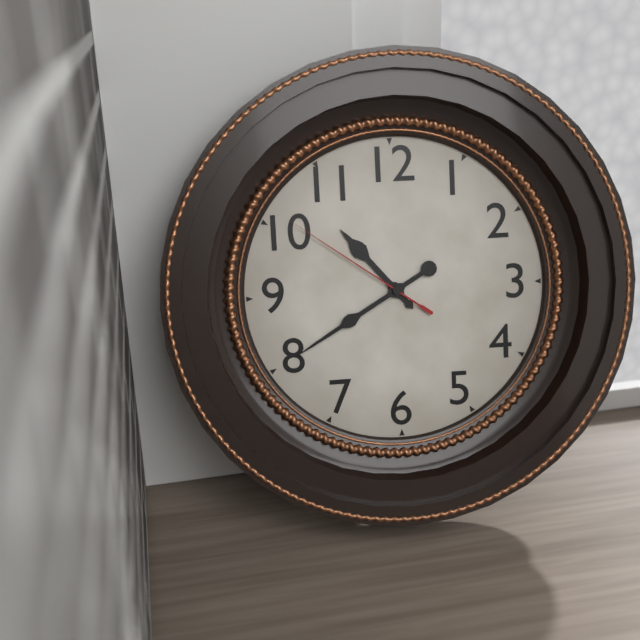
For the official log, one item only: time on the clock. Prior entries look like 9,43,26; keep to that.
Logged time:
10,40,51
